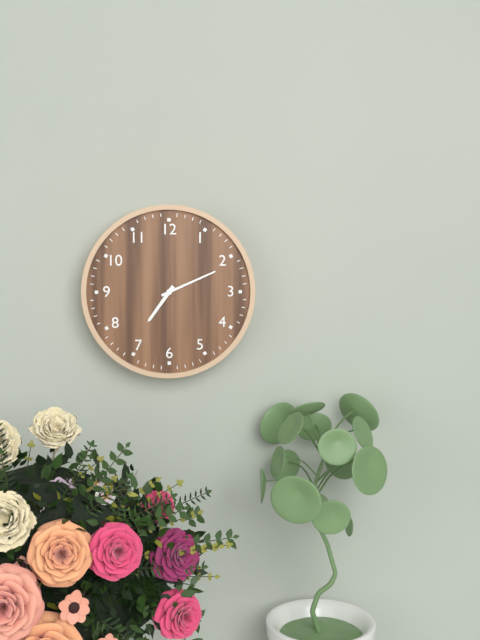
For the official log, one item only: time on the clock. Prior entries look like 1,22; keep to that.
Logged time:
7,11
